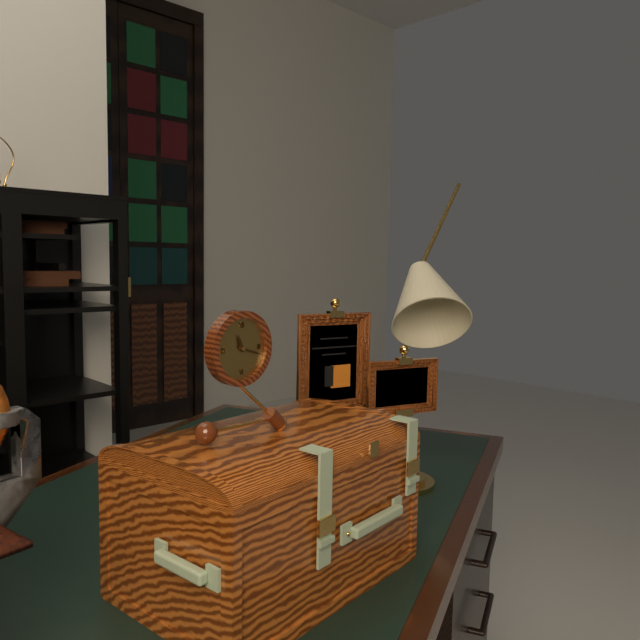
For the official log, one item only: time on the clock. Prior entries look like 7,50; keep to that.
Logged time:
11,18
